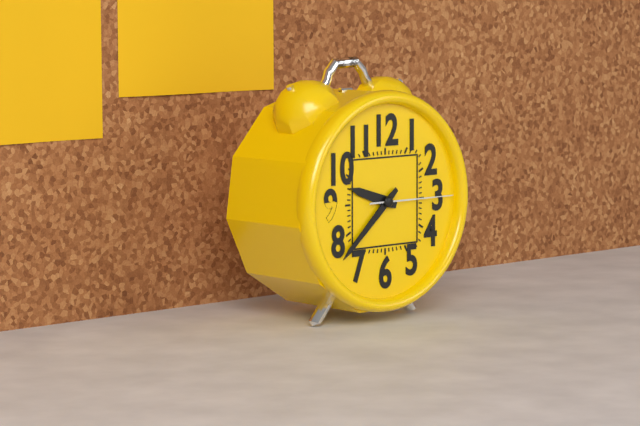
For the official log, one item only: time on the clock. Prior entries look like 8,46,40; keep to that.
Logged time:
9,38,15
